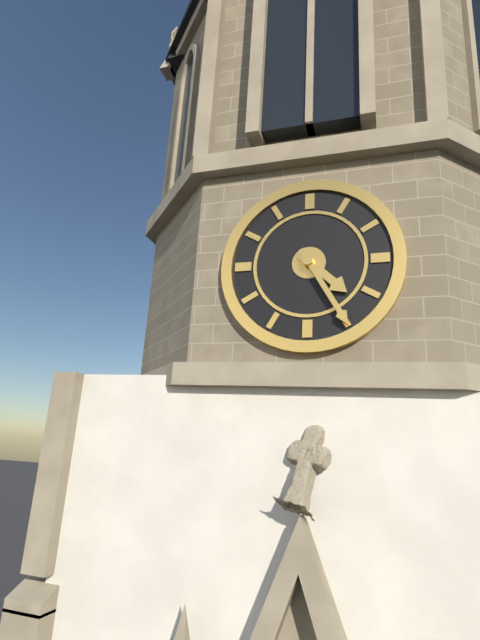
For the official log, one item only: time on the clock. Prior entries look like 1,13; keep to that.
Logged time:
4,25
